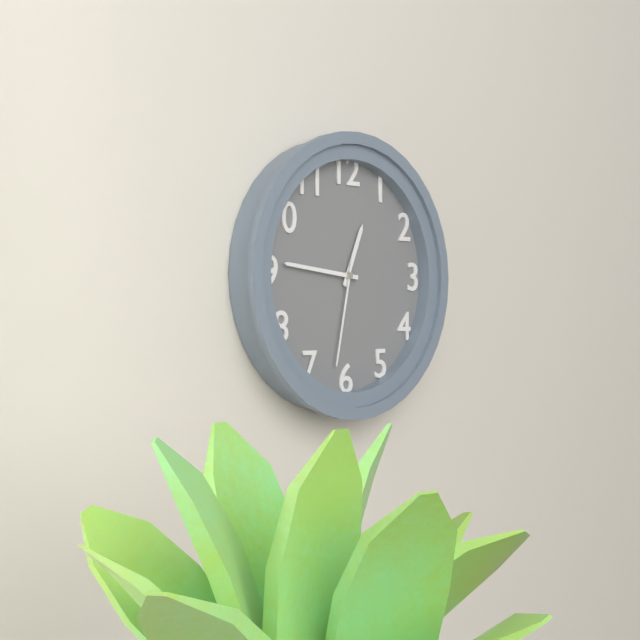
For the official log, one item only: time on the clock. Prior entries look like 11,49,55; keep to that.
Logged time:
12,46,32
